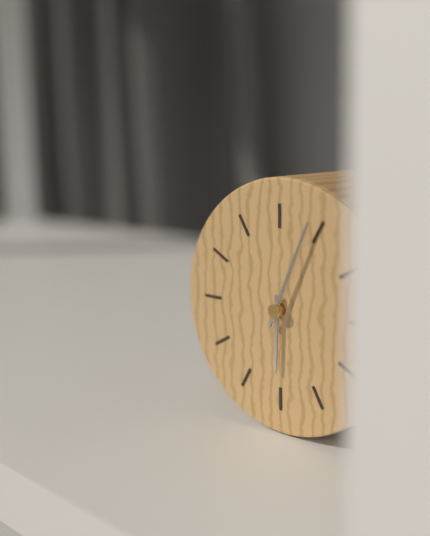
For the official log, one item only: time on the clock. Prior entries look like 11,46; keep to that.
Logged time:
6,04
